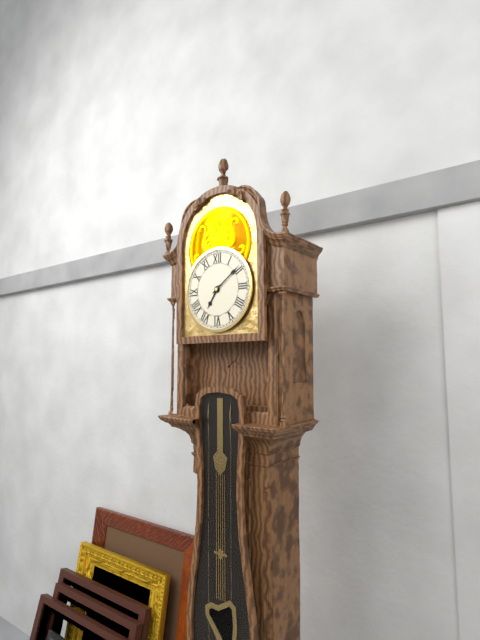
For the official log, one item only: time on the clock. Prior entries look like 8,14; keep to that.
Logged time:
7,09
